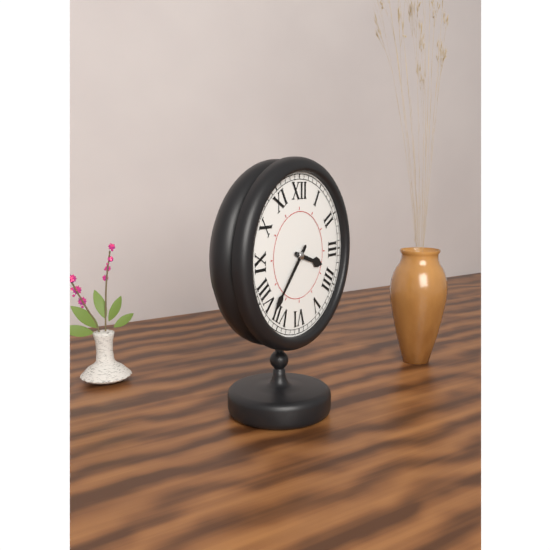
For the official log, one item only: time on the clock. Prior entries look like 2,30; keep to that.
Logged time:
3,37
